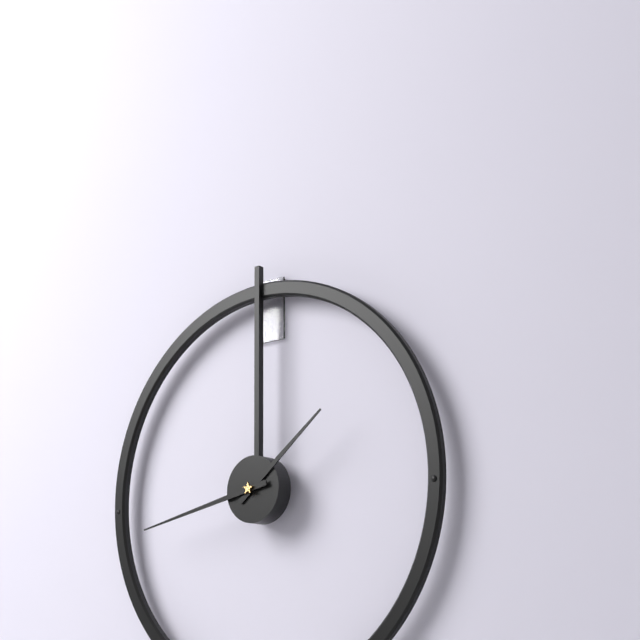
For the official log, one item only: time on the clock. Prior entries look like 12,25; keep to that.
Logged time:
1,43
